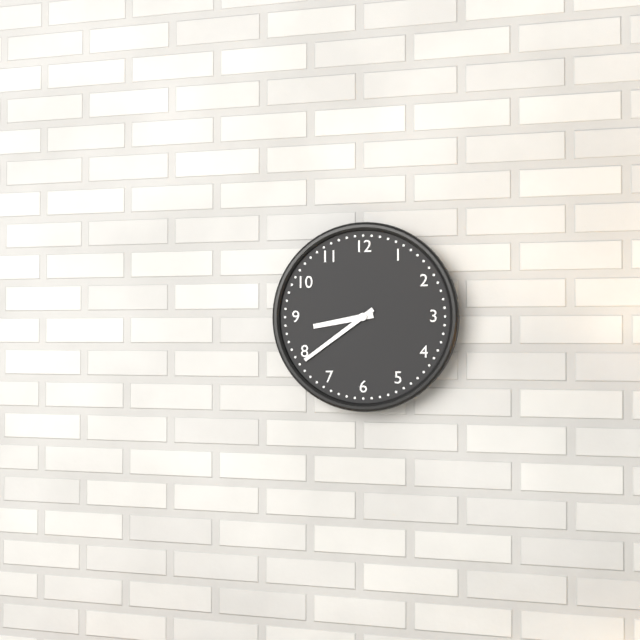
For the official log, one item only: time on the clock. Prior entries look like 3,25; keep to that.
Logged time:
8,39
